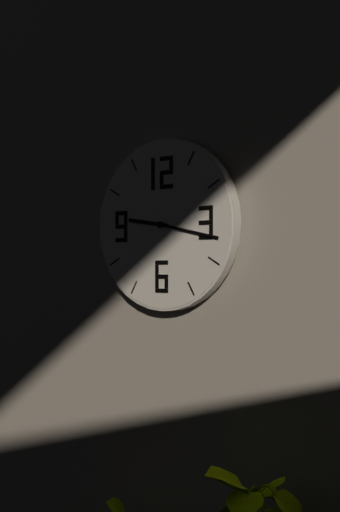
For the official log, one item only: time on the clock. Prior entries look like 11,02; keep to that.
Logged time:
9,17
